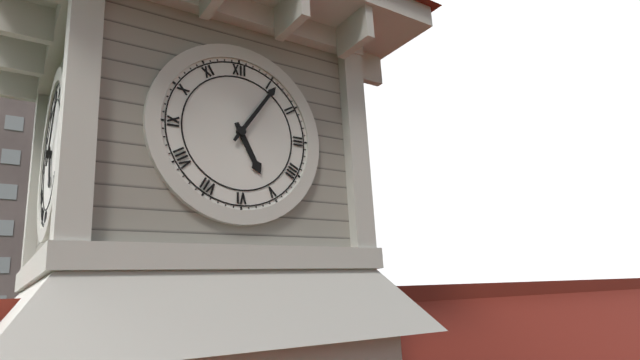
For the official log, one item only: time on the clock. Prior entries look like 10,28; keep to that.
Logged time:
5,06
